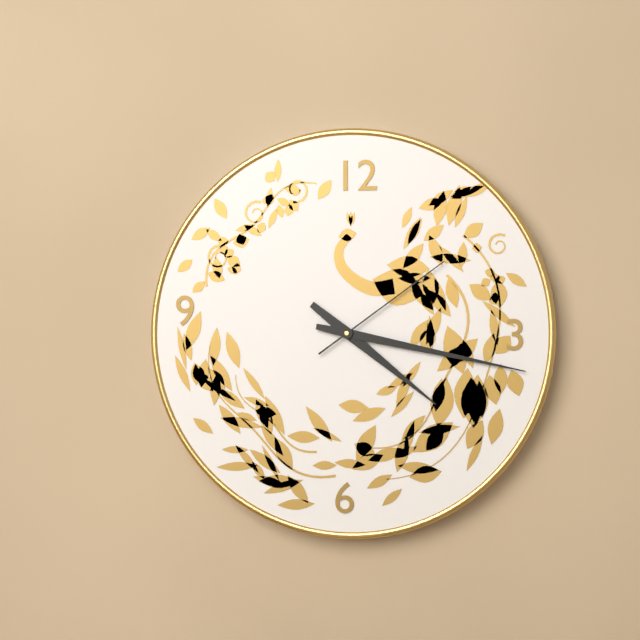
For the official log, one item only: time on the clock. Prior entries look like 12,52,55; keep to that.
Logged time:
4,17,09
